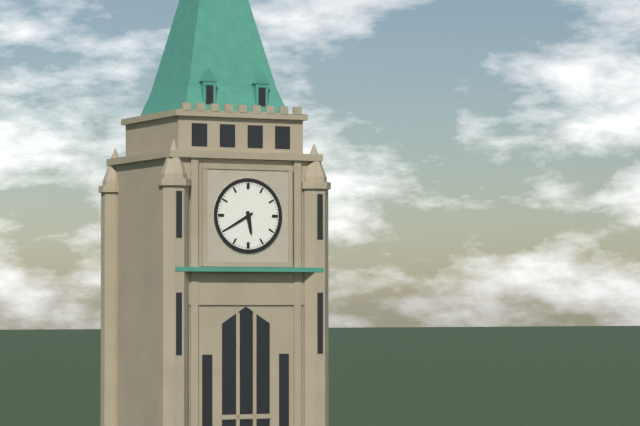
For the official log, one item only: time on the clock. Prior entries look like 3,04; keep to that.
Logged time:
5,40
